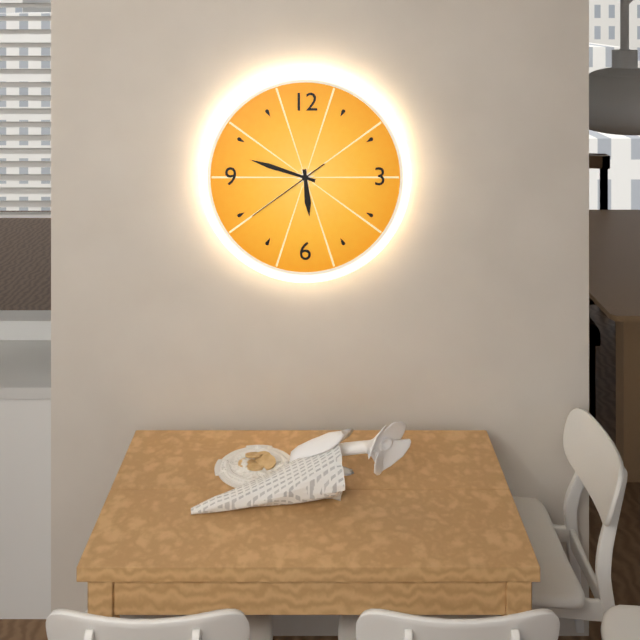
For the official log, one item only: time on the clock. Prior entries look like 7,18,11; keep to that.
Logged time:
5,48,39
